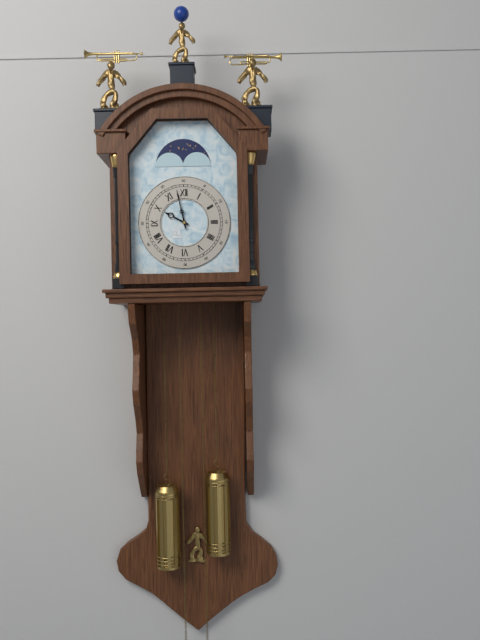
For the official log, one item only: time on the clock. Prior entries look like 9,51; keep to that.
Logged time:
9,58
